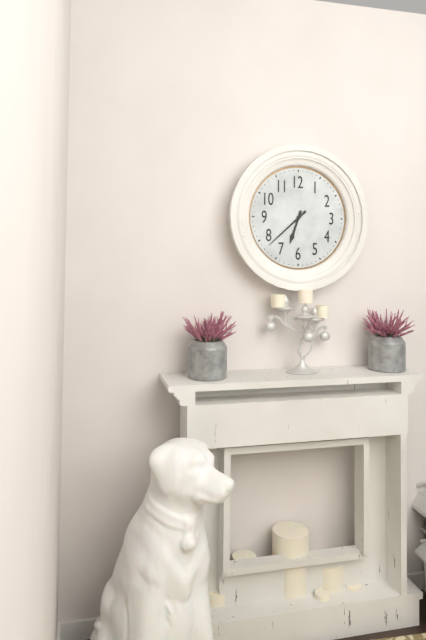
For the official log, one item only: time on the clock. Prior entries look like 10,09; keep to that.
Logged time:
6,38
